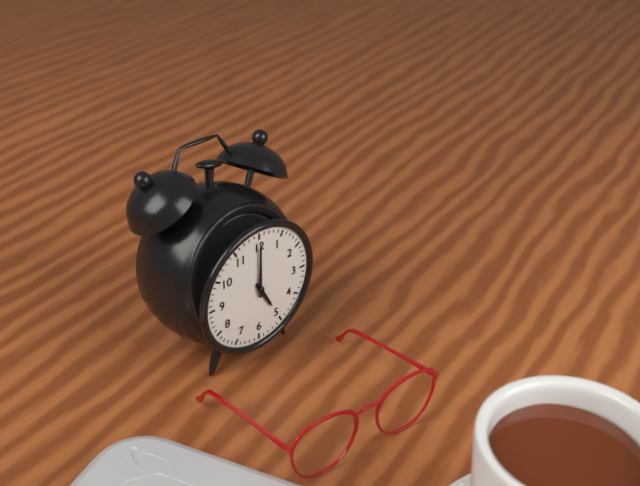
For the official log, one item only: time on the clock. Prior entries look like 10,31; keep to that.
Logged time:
5,00
